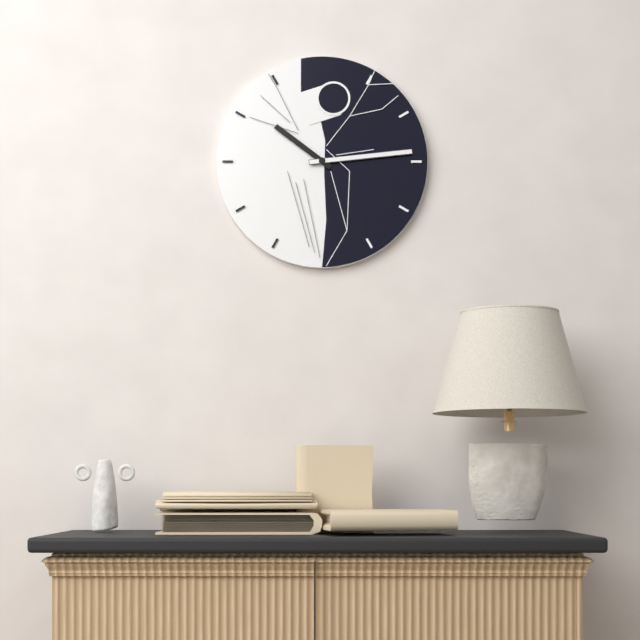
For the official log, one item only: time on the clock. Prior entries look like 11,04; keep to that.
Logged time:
10,14
